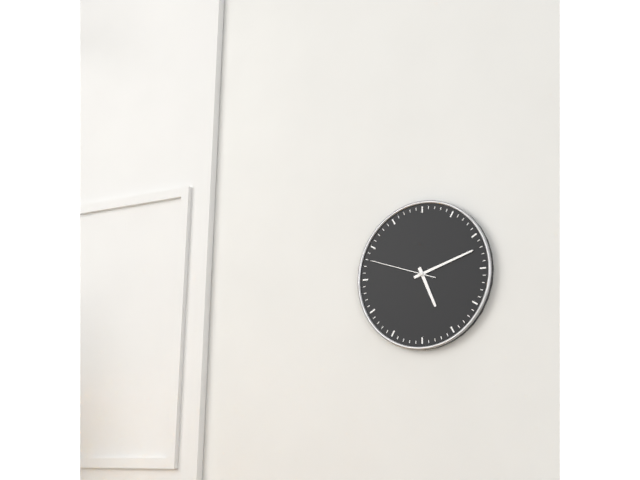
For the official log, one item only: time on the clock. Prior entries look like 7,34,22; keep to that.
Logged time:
5,12,48
